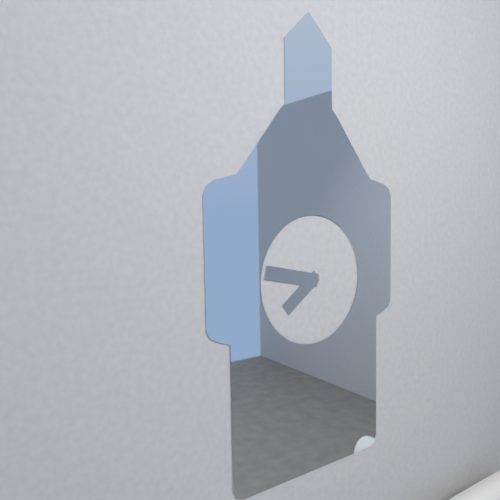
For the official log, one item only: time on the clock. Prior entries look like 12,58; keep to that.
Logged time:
7,47
